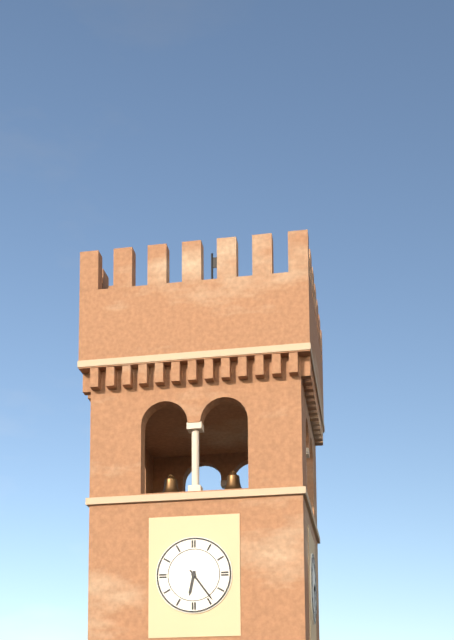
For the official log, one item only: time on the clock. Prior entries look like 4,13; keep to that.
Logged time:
6,24
